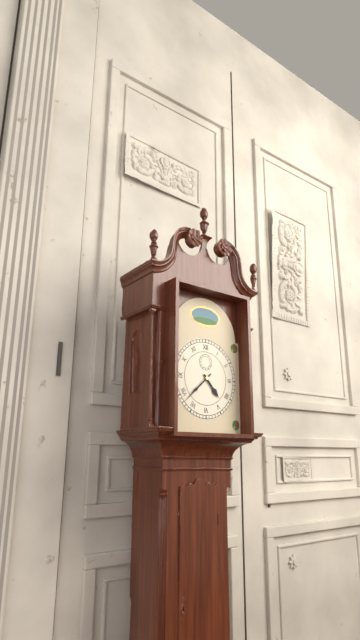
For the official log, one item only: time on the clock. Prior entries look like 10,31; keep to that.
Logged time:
4,38
